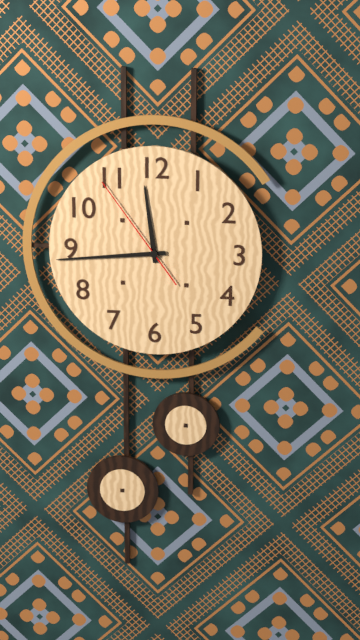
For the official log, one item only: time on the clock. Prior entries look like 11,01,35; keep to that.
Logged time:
11,44,54
